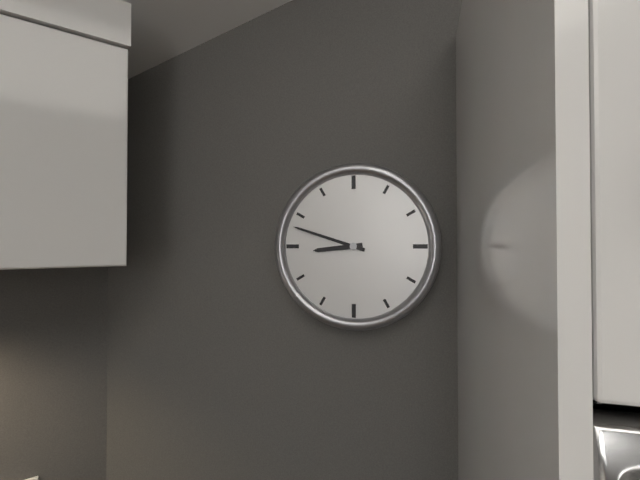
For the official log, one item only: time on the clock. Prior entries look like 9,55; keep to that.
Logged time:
8,48
